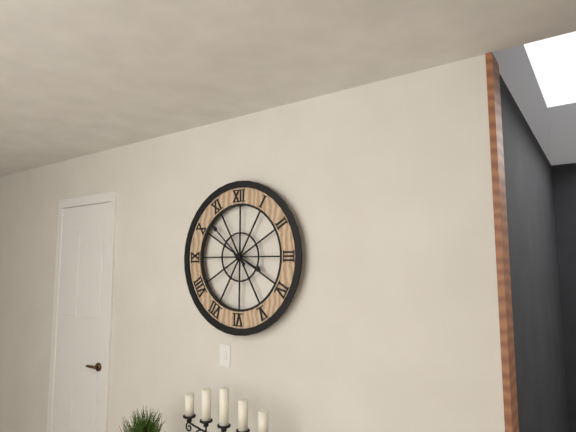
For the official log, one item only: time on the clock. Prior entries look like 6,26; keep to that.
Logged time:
3,52
